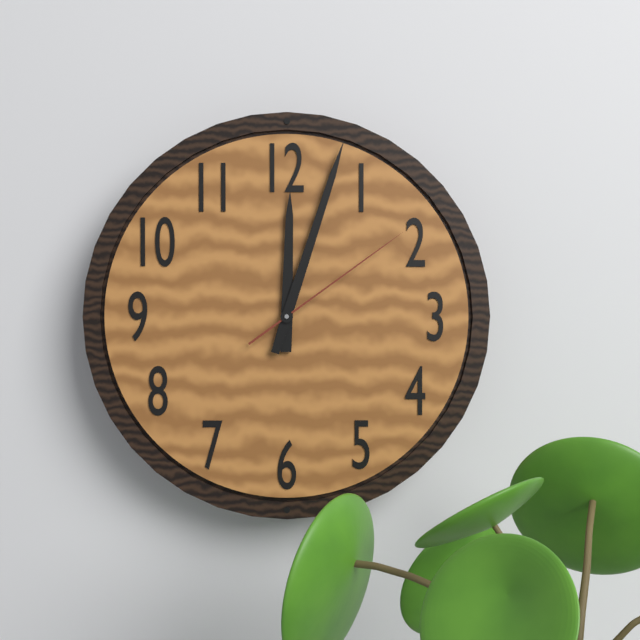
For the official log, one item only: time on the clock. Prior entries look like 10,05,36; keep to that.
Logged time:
12,03,09
